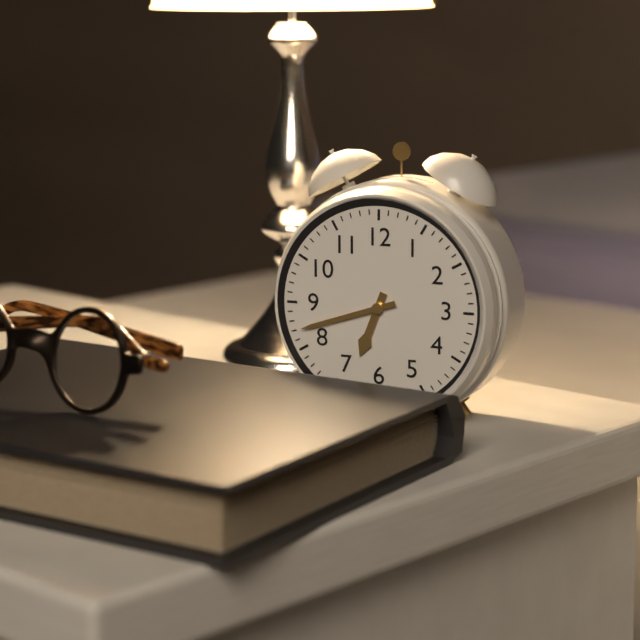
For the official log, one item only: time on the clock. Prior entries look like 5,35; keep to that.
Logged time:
6,42
